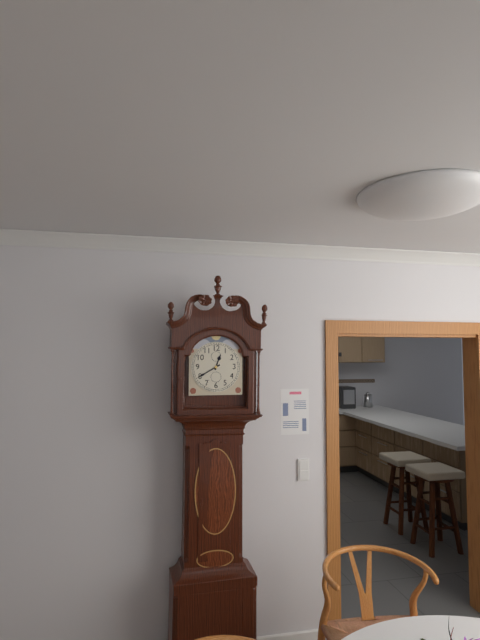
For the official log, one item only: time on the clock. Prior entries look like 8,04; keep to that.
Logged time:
12,40
